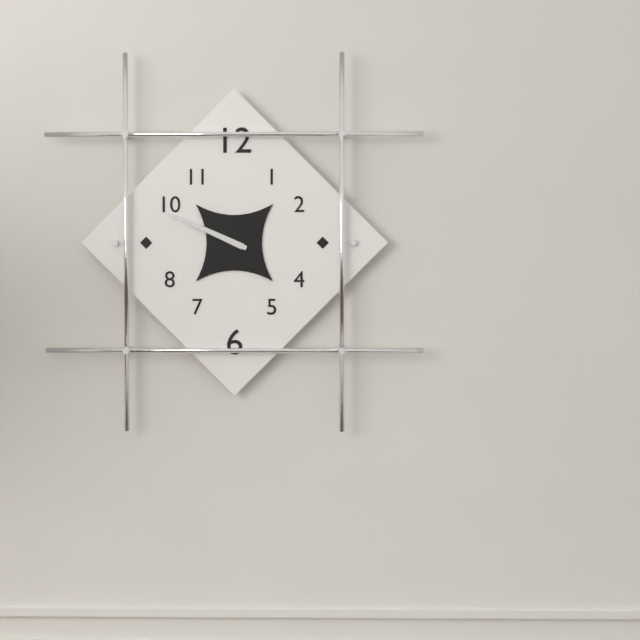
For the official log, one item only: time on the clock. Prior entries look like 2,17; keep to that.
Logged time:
9,49
